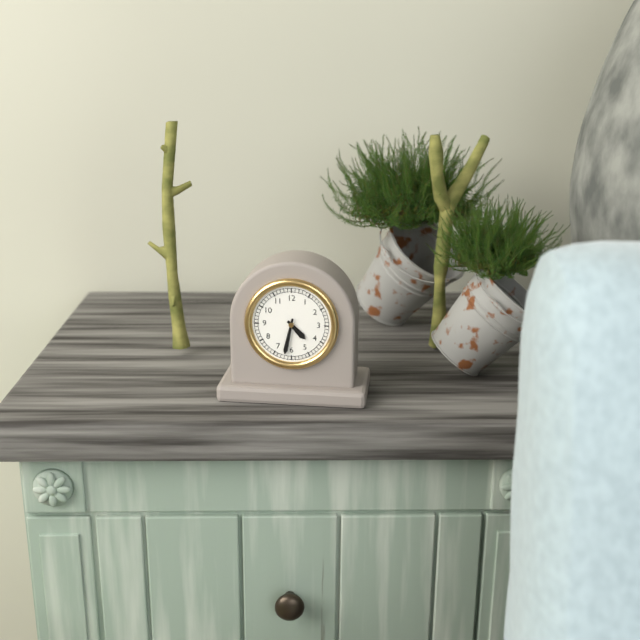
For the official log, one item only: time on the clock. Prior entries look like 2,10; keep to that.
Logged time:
4,32
